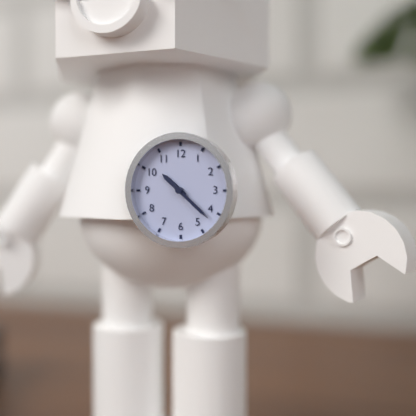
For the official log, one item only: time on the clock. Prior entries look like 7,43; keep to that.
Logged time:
10,22
